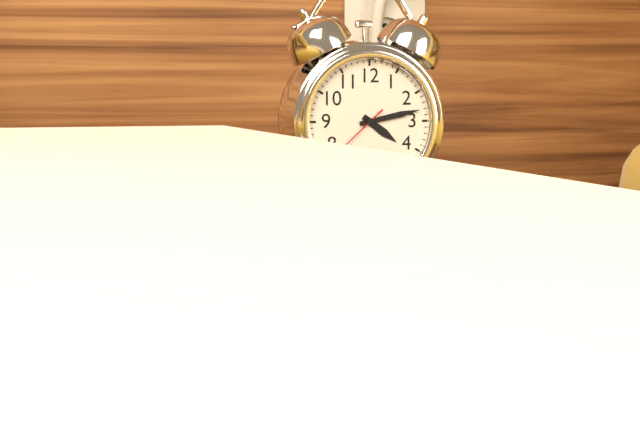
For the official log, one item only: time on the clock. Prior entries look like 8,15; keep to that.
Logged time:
4,13
